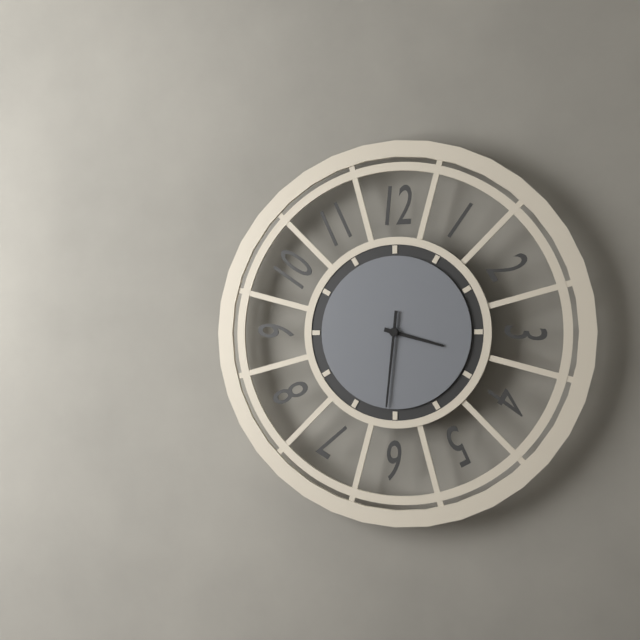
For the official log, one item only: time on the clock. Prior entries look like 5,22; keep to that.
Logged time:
3,31
